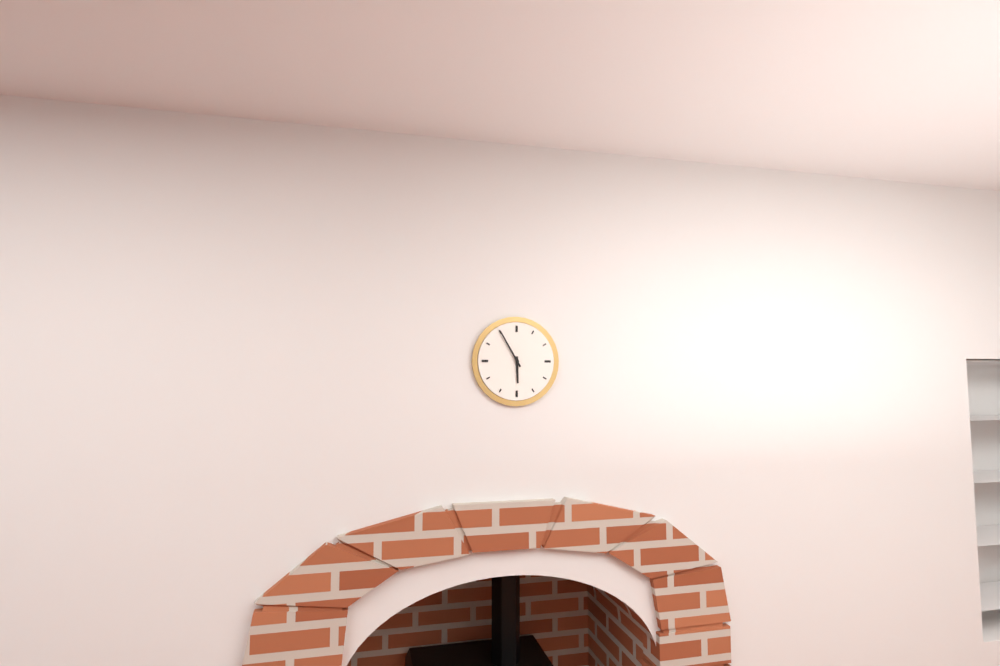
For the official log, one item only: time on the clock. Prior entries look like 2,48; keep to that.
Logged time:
5,55
